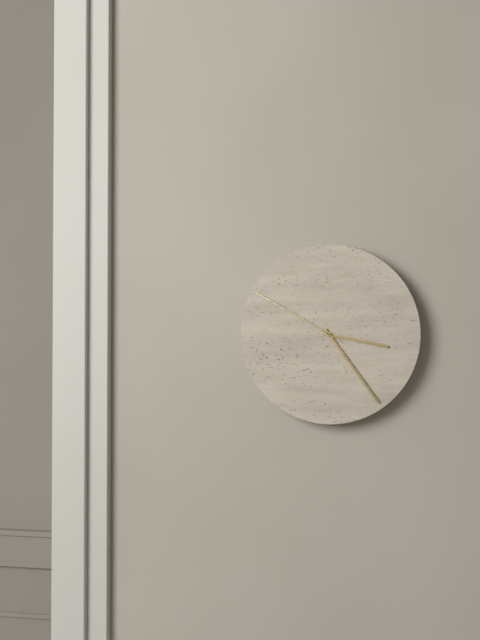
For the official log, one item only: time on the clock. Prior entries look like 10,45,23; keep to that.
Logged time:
3,24,50
